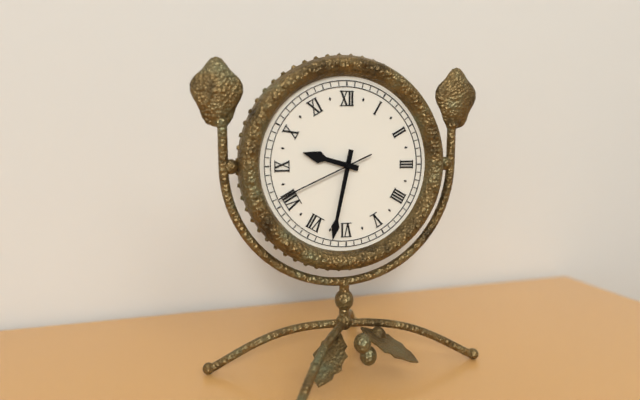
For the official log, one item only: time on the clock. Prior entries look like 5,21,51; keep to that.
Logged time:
9,32,41
